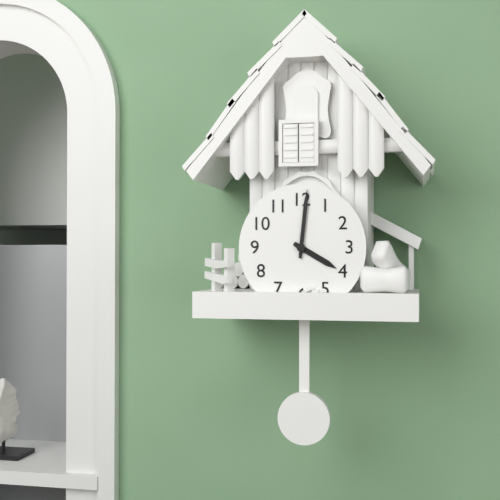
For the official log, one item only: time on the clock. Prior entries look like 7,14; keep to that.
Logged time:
4,01
